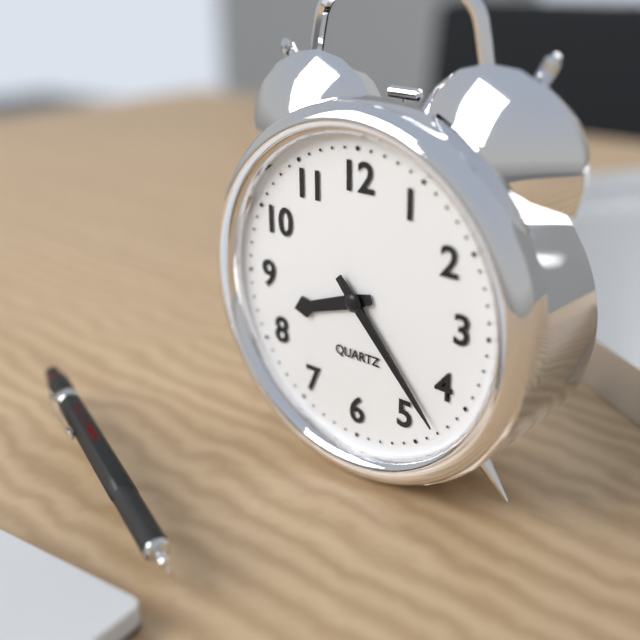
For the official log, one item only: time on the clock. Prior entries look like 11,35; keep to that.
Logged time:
8,23
